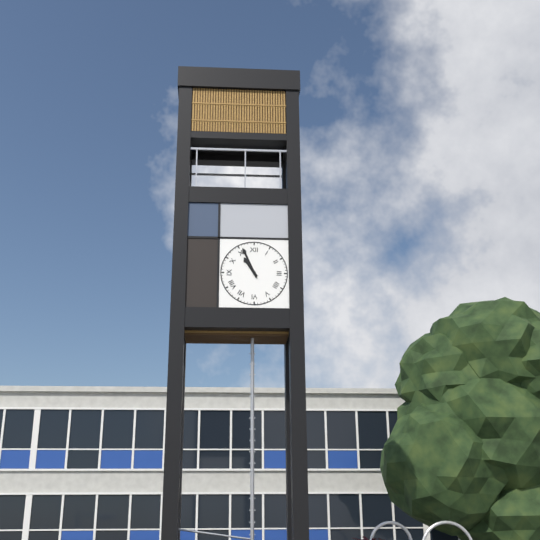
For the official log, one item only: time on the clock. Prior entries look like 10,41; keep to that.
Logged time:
10,56
